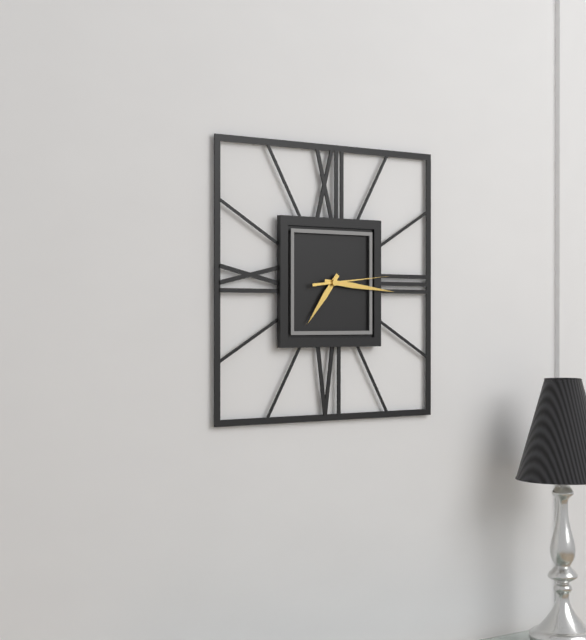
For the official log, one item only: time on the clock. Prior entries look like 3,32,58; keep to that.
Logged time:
7,16,14
